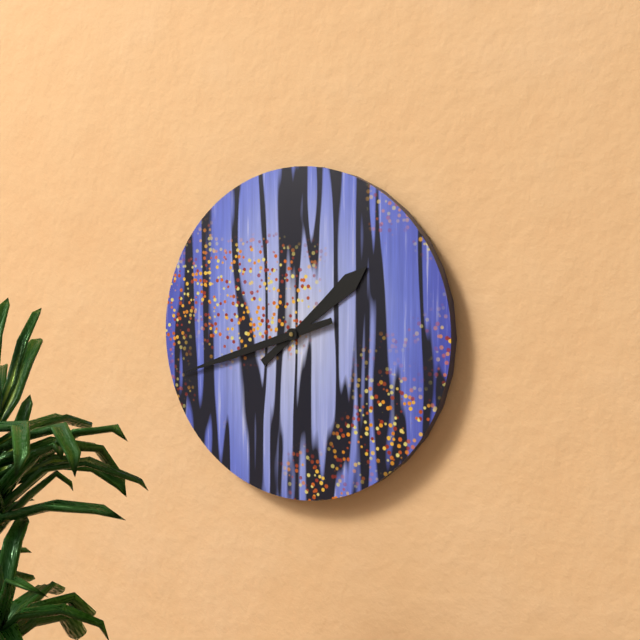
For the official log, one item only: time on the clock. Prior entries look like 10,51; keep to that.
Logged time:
1,42
